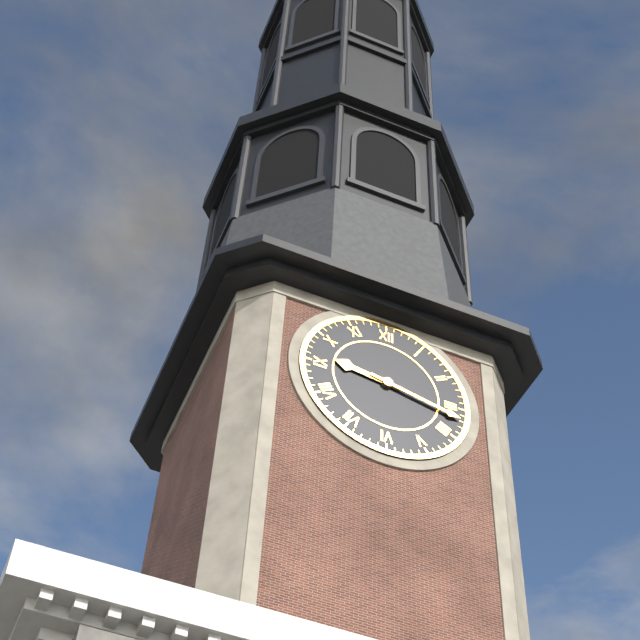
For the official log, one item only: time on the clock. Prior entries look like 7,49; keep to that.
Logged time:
9,17
